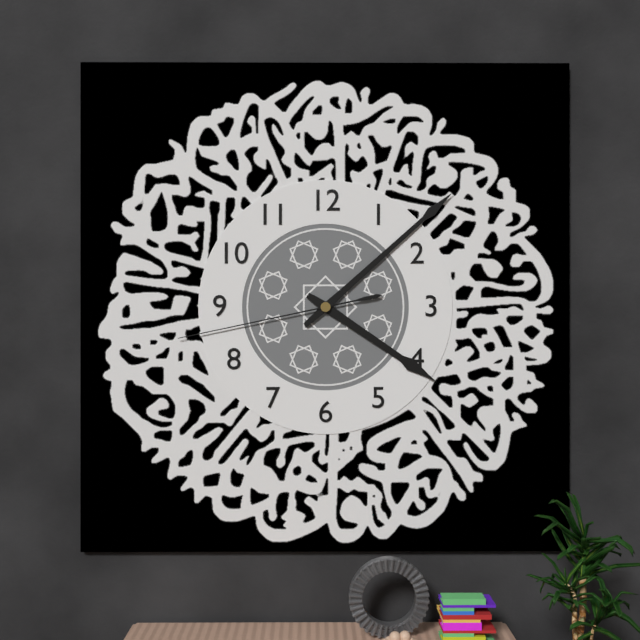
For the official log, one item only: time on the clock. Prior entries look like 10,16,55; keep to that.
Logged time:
4,08,43
